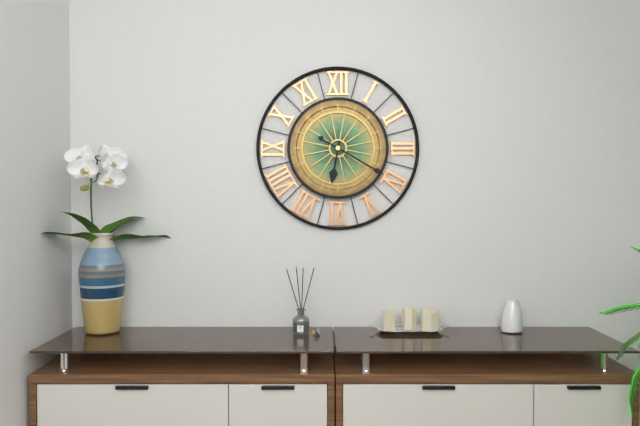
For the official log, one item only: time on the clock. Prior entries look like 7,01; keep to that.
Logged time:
6,20
